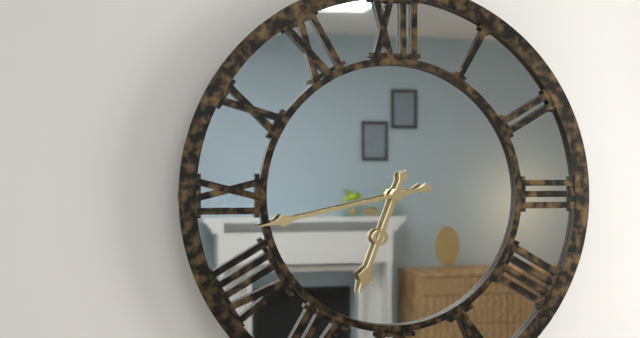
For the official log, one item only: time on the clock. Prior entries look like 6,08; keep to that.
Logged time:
6,43
